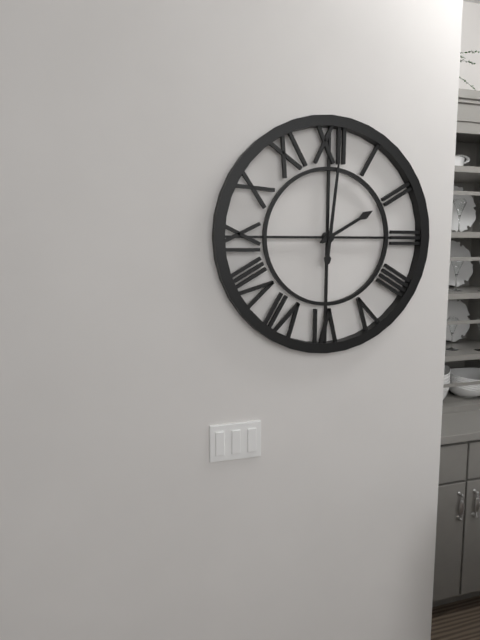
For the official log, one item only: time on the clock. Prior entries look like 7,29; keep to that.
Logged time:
2,01
